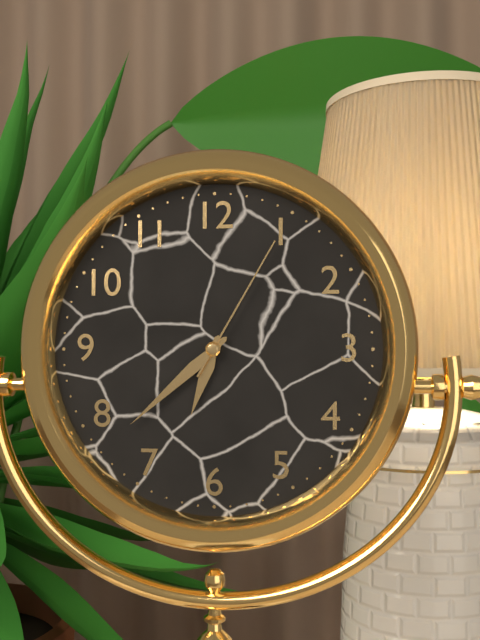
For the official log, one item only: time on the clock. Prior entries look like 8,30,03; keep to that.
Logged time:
6,38,05
